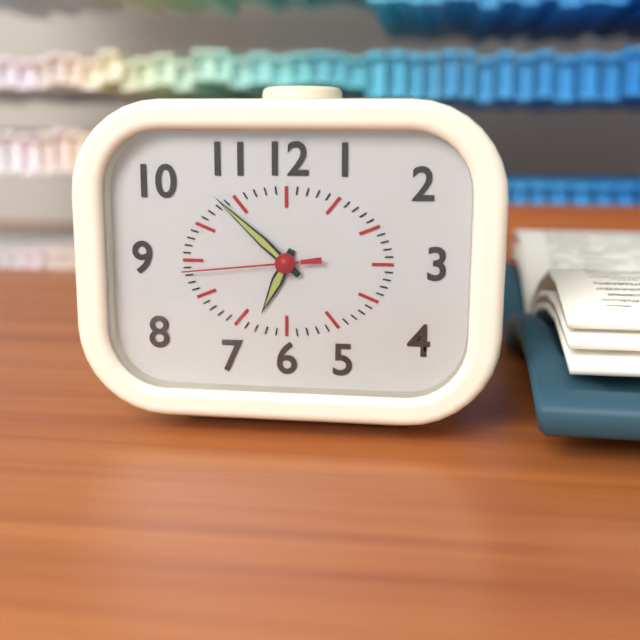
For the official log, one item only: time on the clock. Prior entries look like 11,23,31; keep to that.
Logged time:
6,52,44
